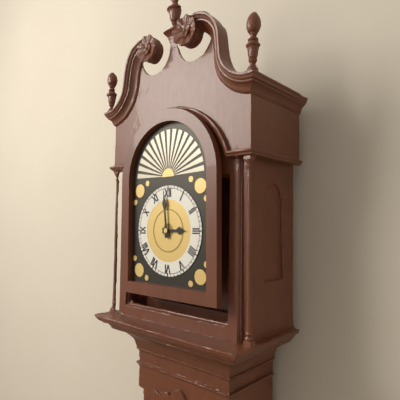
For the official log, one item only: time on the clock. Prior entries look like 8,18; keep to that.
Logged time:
2,59
